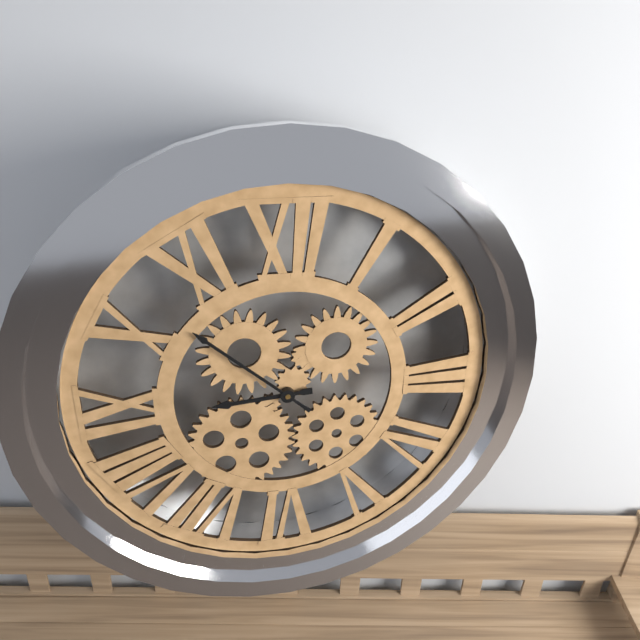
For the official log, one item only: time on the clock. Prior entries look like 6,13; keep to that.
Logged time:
8,52
